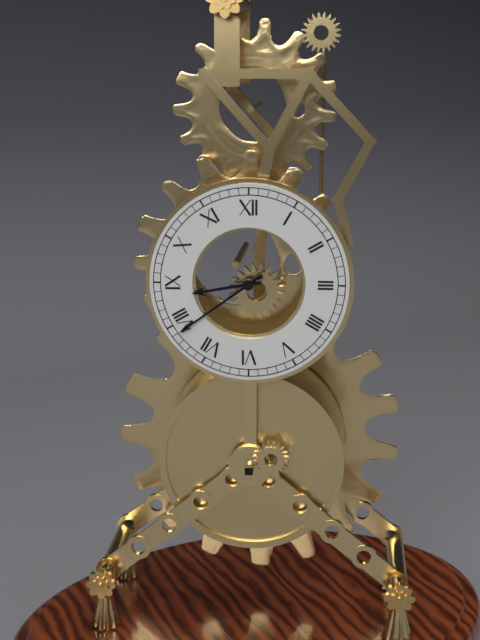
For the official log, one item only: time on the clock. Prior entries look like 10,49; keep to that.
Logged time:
8,39
